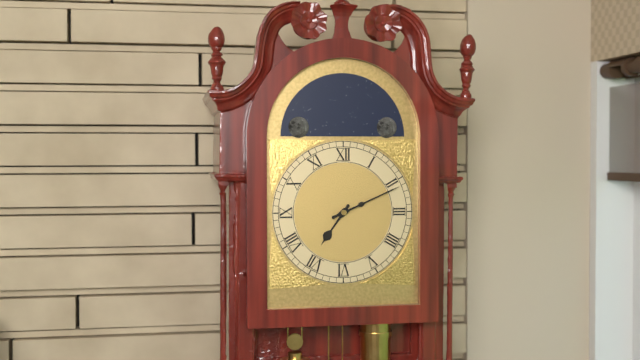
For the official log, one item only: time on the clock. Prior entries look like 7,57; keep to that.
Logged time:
7,11
